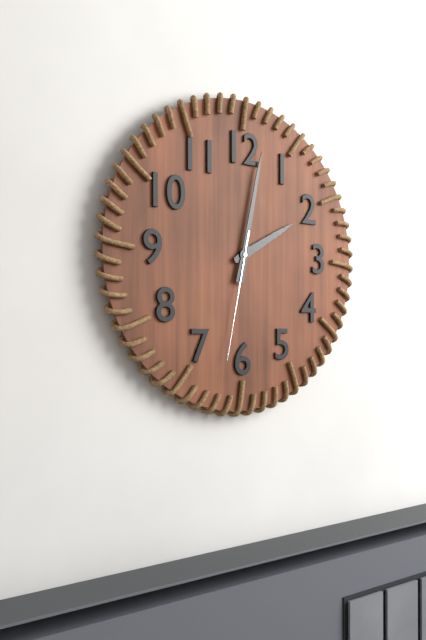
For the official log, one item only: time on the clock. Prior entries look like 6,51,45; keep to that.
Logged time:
2,02,32
